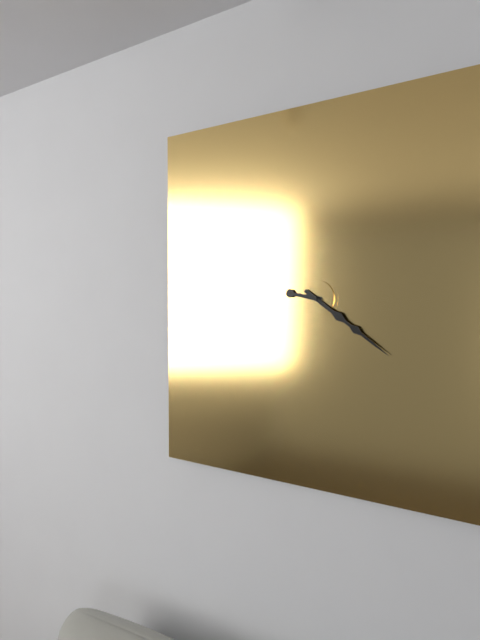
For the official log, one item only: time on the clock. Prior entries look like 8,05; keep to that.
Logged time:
9,21
